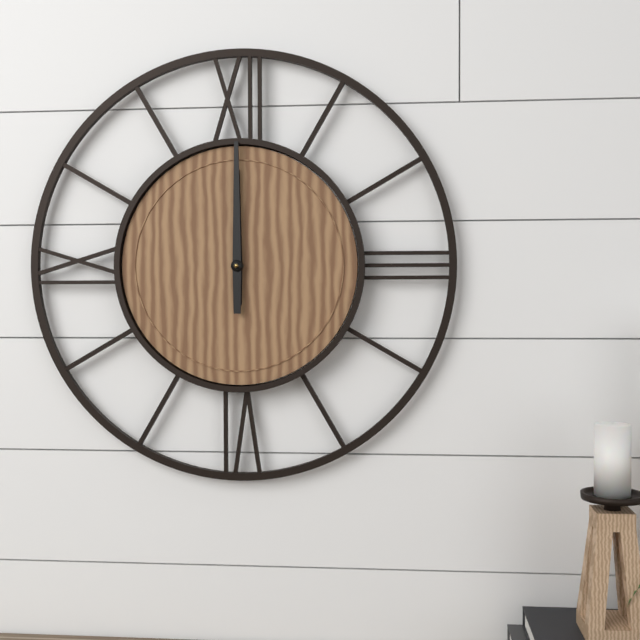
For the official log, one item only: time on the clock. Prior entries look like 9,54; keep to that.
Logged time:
12,00
